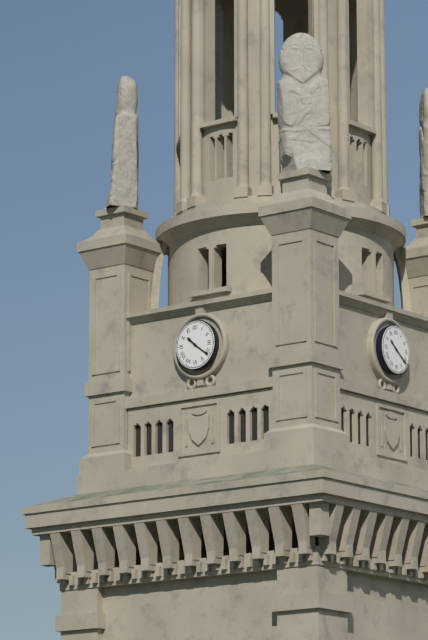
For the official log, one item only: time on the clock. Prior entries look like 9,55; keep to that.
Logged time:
10,21
